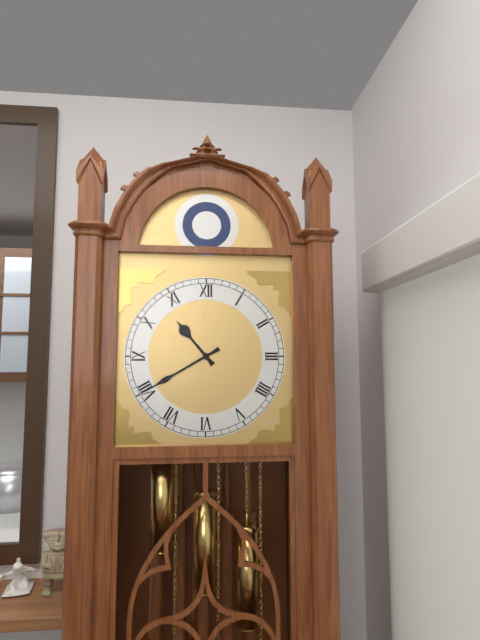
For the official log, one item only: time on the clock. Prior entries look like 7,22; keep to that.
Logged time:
10,40
